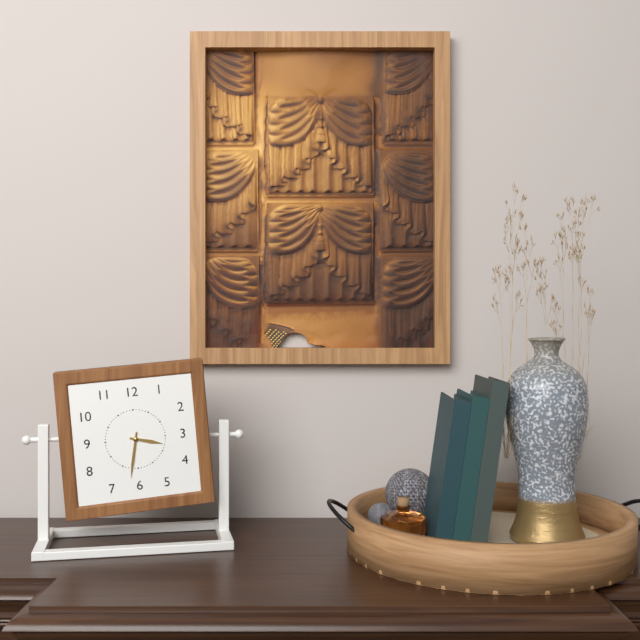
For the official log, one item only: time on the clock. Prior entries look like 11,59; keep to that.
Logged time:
3,32
